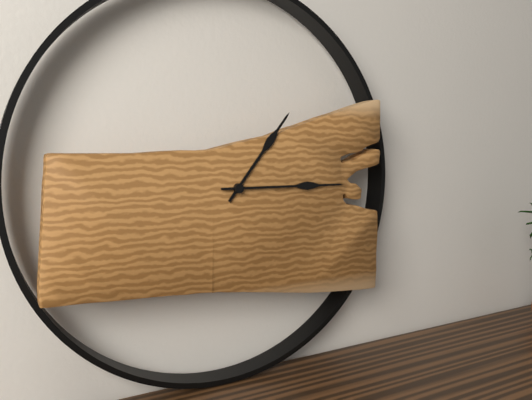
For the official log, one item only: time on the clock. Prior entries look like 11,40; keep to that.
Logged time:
1,15
